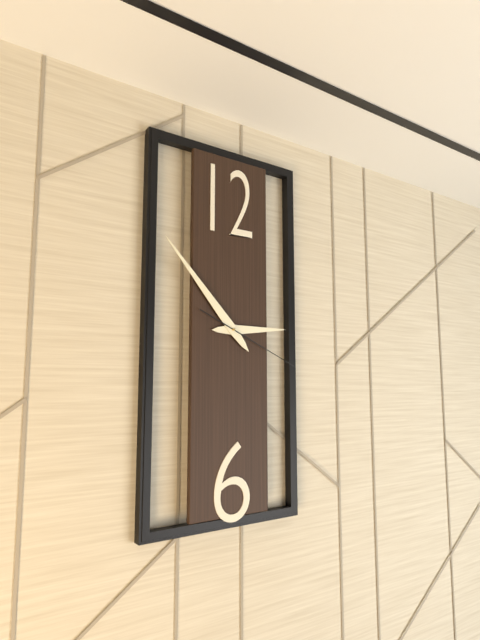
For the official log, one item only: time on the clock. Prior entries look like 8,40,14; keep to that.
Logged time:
2,53,19
